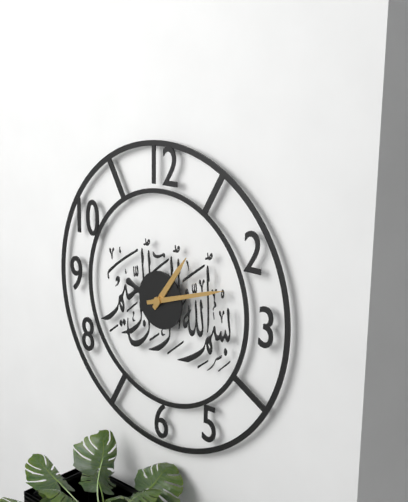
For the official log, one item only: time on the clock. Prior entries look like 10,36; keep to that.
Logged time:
1,12
